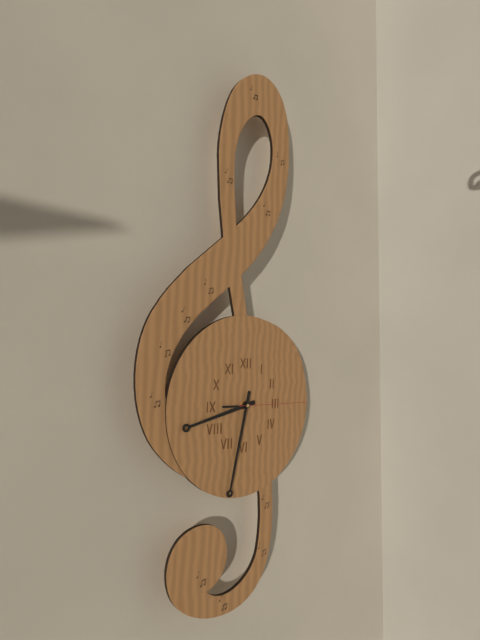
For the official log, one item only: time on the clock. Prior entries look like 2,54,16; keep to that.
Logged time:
8,32,15
